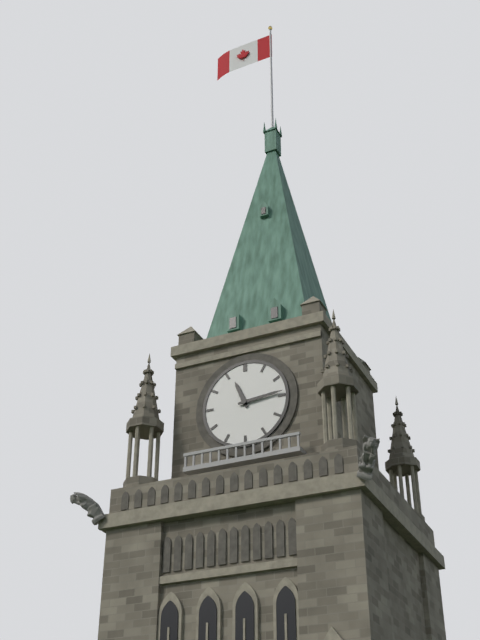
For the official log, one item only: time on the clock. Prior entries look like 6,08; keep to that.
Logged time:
11,14
